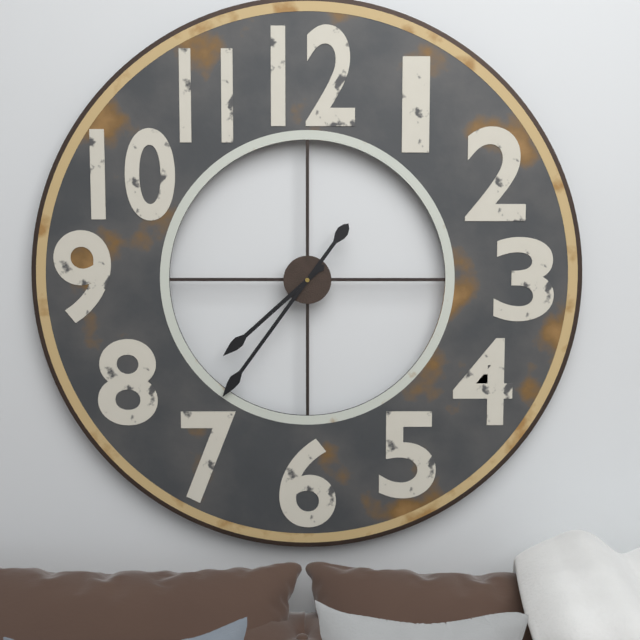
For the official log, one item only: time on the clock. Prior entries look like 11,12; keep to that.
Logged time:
7,36
